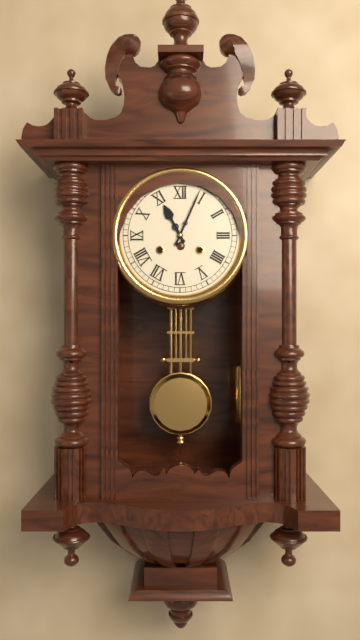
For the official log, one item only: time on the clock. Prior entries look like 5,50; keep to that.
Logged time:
11,04
